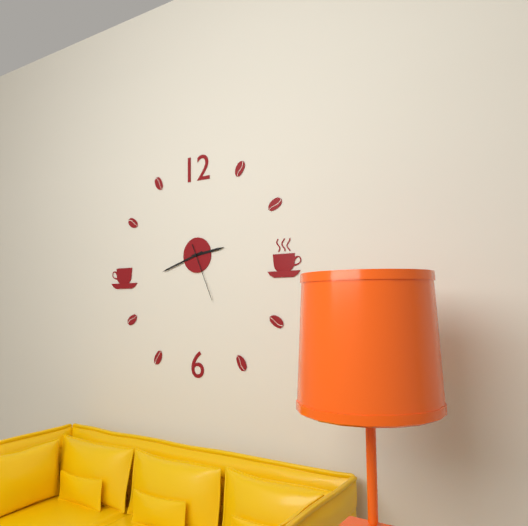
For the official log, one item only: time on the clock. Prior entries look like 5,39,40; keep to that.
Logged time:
2,42,26
